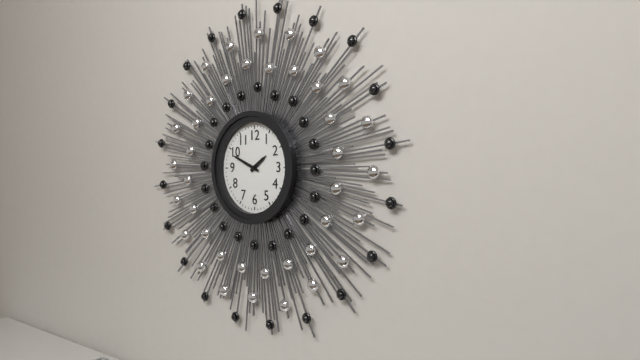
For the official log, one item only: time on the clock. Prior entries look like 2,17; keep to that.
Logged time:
1,49
